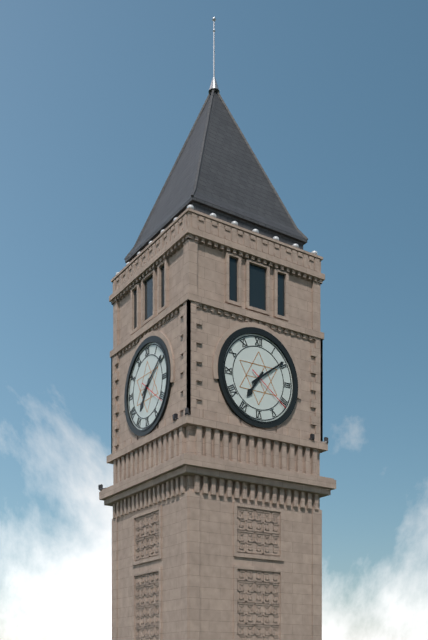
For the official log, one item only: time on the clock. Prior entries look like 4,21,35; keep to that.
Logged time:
7,09,21
